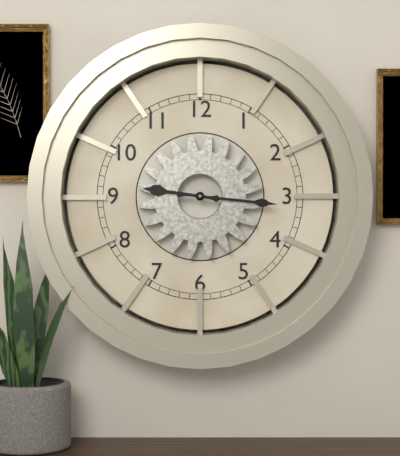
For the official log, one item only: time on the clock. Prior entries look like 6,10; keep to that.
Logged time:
9,16
